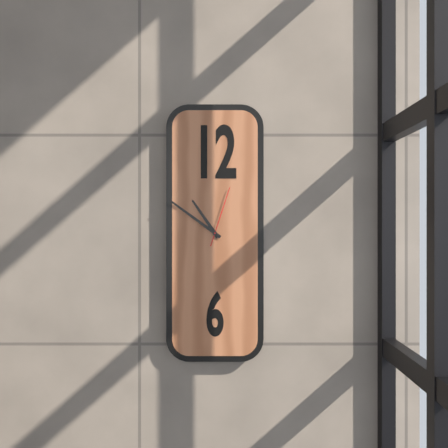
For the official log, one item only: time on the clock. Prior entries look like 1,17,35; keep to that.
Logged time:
10,51,03
